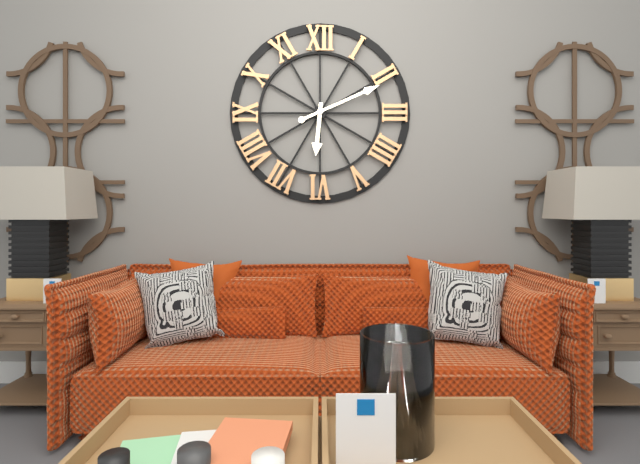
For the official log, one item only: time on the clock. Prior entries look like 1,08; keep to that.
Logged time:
6,11
